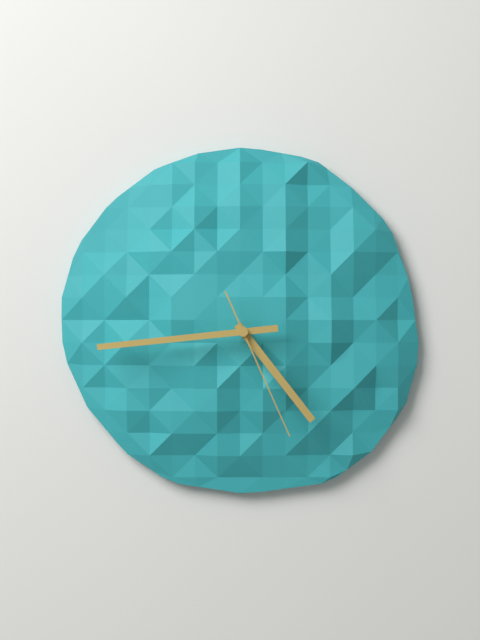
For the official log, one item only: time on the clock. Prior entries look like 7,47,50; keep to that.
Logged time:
4,44,26
